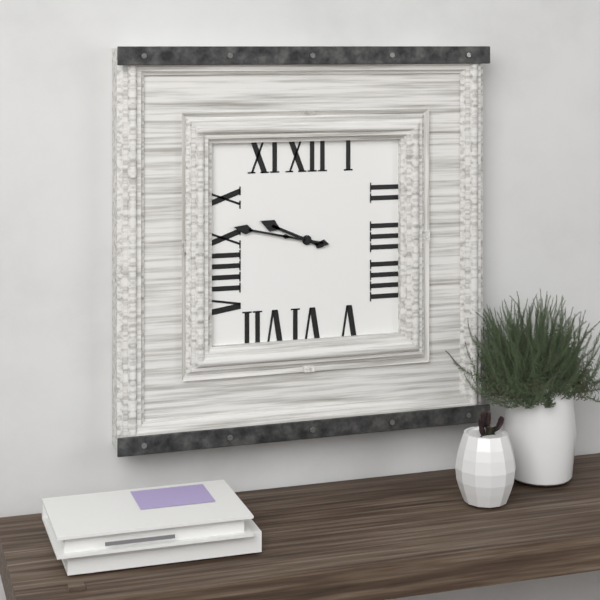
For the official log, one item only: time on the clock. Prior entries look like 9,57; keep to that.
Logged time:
9,47
